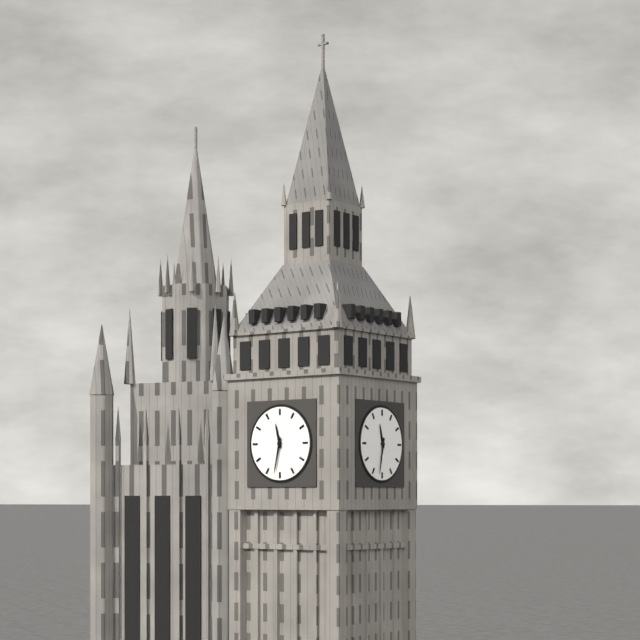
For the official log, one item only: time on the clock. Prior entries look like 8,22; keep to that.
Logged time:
11,32
